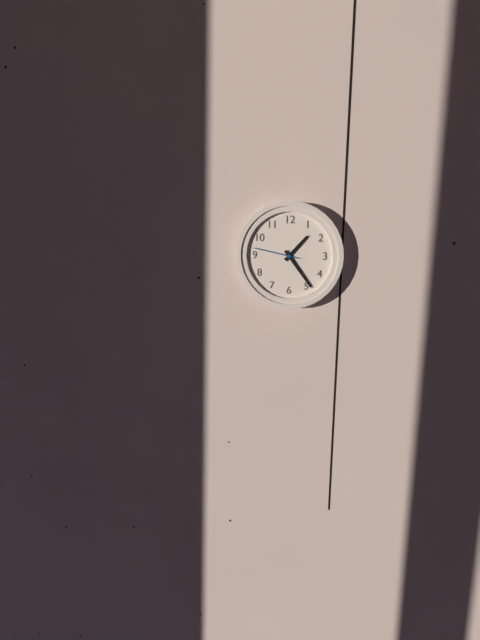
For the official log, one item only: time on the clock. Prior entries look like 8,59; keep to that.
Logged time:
1,24
